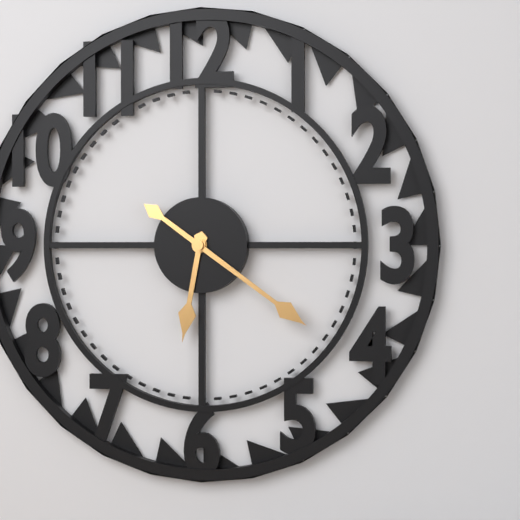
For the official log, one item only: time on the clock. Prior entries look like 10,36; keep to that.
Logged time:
6,21
